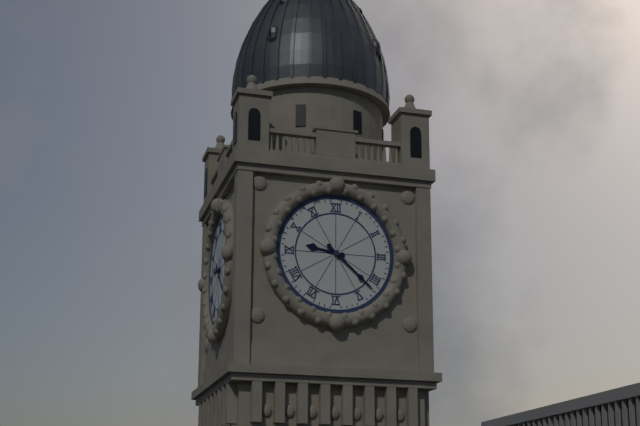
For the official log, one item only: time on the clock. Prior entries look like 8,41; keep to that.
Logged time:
9,22
